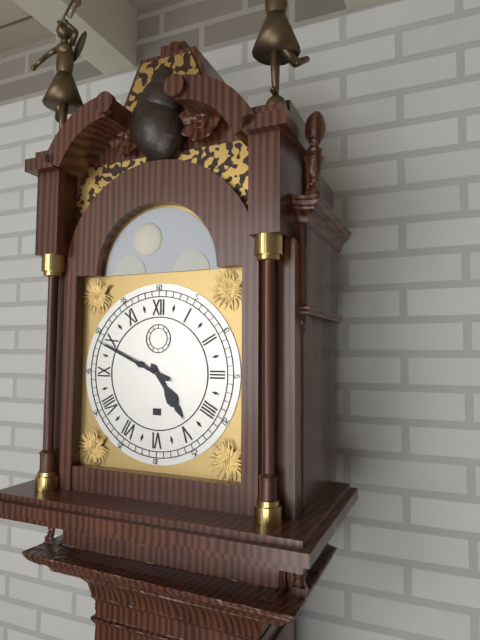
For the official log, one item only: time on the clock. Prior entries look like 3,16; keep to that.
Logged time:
4,49
